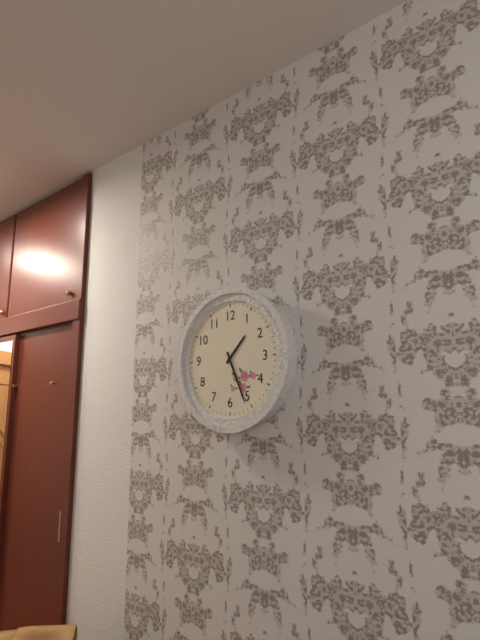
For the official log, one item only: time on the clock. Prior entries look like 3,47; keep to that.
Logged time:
1,26
